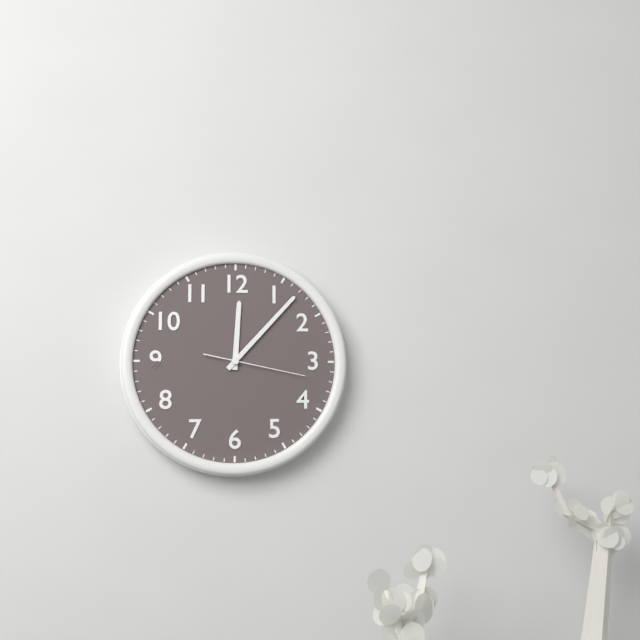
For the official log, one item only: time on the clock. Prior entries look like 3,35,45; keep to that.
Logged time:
12,07,17
